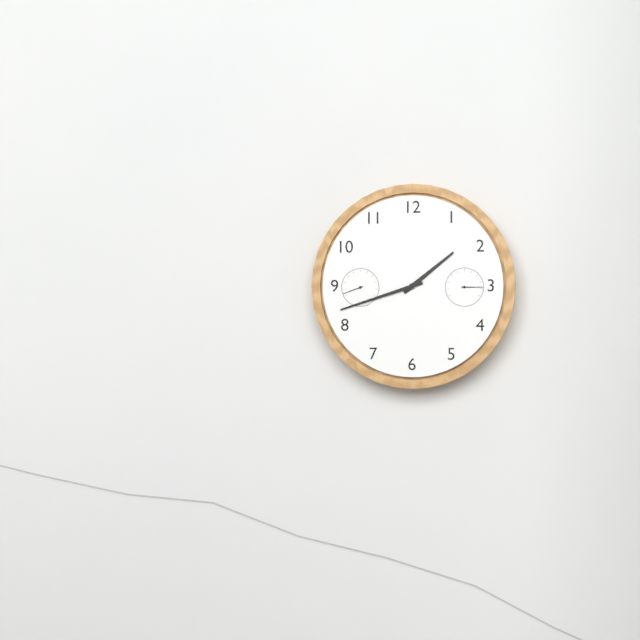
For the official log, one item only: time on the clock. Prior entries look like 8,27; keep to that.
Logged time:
1,42
